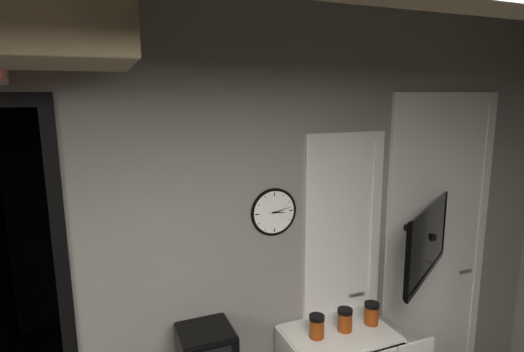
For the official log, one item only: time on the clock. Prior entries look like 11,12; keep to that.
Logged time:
3,13
